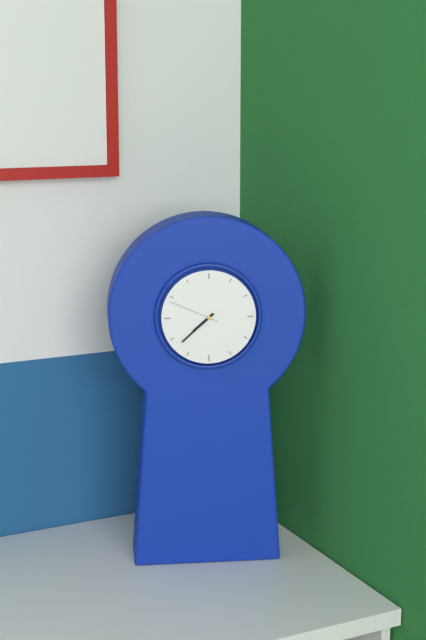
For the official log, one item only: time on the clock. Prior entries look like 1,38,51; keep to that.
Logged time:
7,38,49
